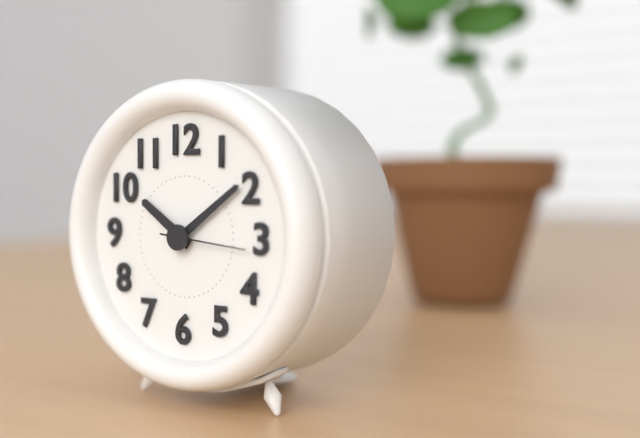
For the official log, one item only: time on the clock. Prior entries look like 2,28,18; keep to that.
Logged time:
10,09,16
